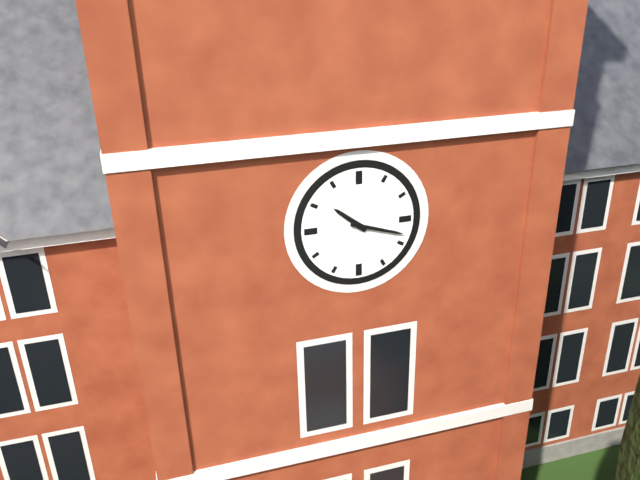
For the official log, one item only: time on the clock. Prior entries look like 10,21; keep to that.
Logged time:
10,18
